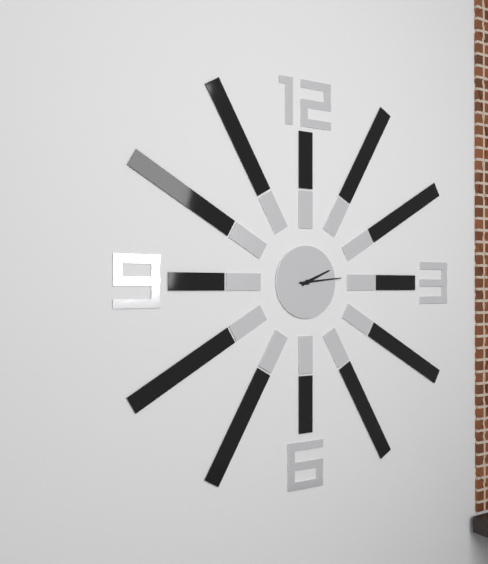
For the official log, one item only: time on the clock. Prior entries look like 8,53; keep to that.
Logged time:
2,14
